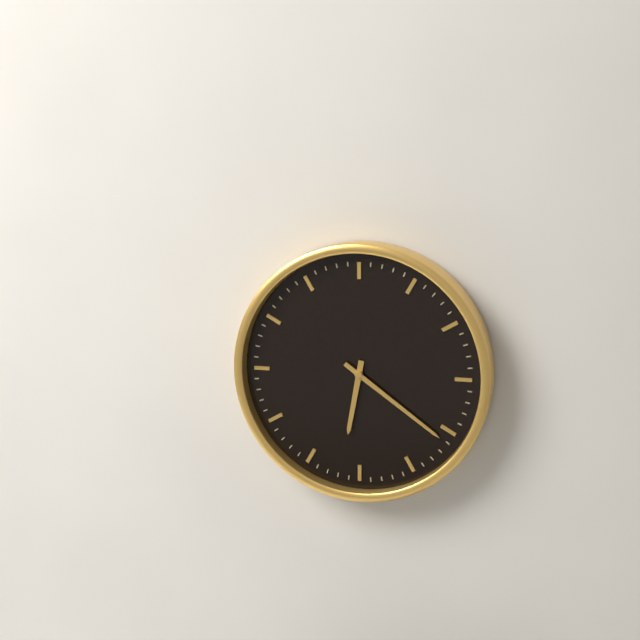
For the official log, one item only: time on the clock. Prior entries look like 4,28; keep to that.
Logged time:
6,21
